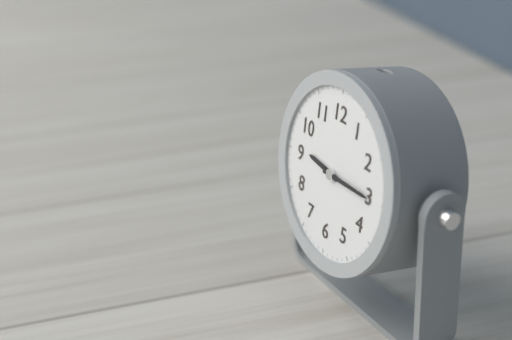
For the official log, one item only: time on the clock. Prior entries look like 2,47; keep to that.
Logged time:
9,15
